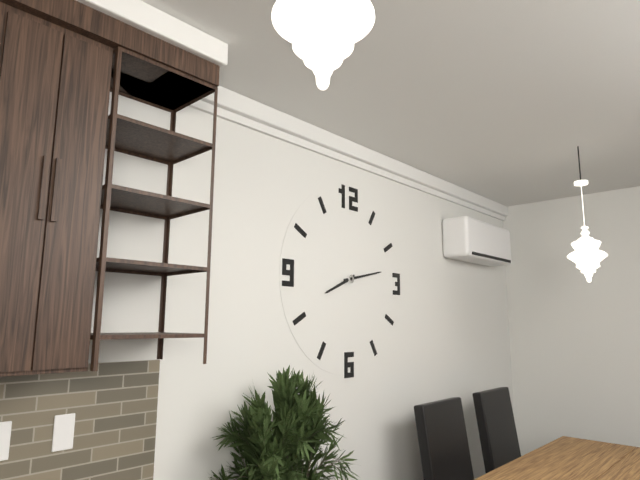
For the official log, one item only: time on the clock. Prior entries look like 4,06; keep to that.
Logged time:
8,13
